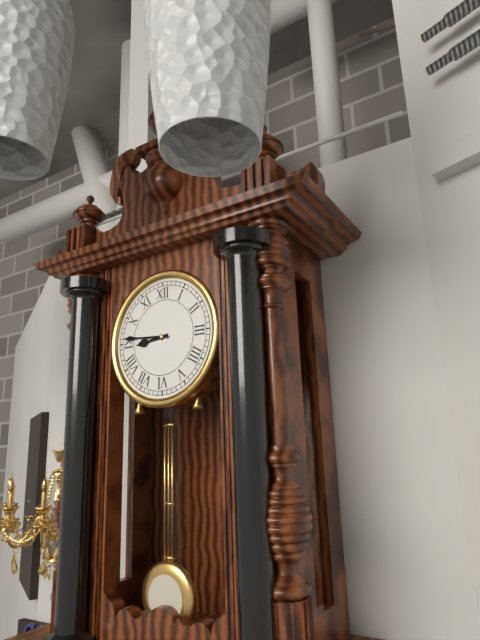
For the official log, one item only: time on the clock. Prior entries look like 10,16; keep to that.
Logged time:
8,46
